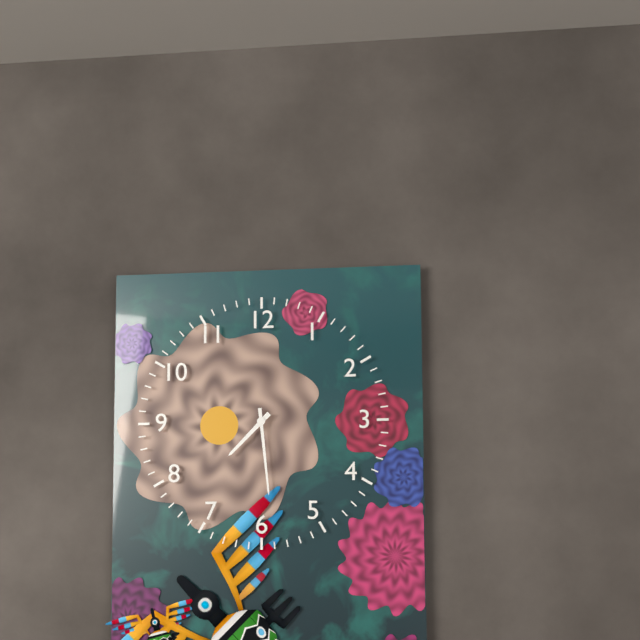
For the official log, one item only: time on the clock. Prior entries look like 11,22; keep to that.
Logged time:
7,29
